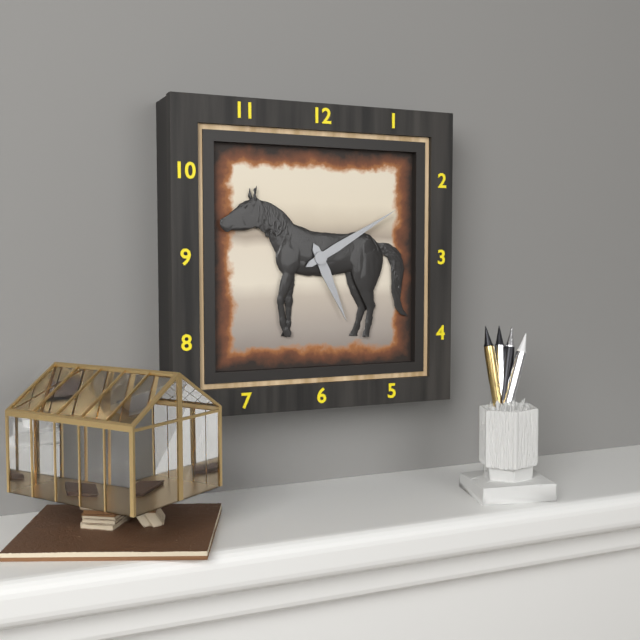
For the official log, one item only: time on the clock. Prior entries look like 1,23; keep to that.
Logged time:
5,10
